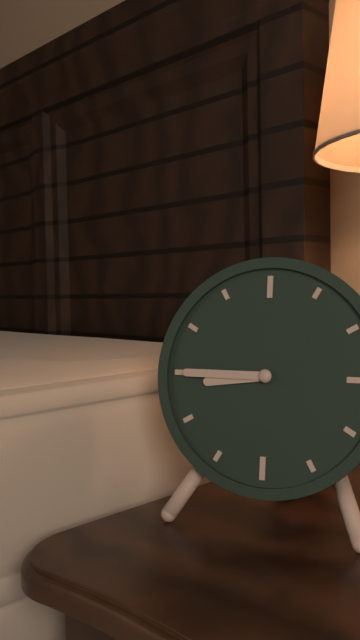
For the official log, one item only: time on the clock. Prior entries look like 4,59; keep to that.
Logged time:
8,45
